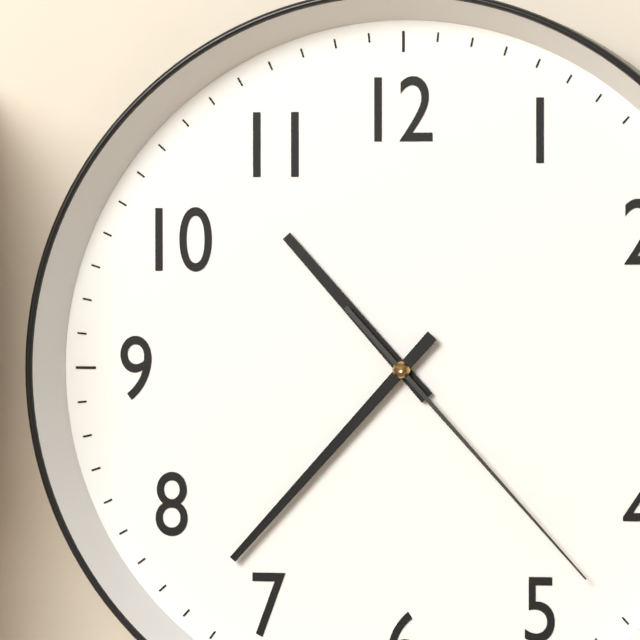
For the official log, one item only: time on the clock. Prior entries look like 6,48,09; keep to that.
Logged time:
10,37,23
